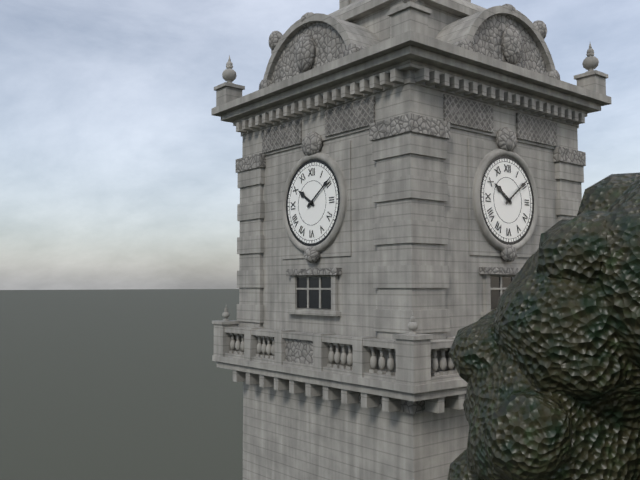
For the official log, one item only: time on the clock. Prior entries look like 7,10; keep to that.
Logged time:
10,09
